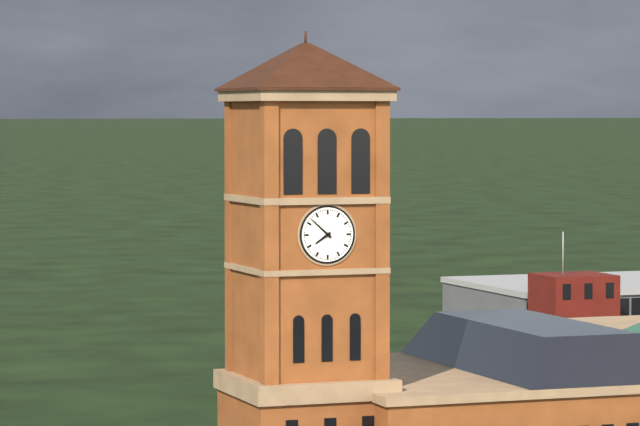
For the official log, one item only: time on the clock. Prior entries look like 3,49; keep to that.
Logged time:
7,52
